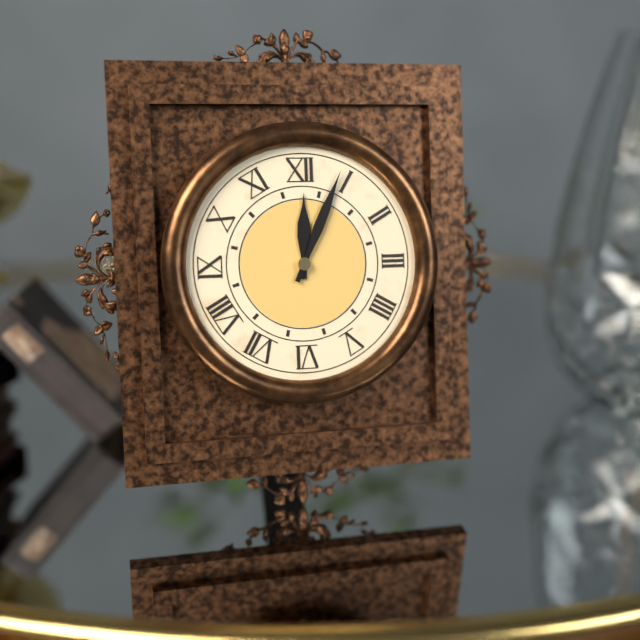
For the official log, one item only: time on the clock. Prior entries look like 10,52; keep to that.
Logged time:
12,04
